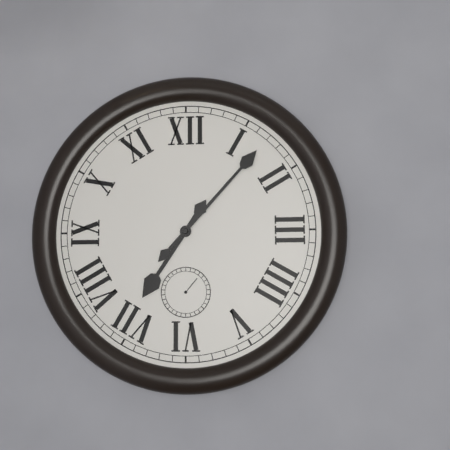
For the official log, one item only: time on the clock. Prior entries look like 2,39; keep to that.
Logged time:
7,07
